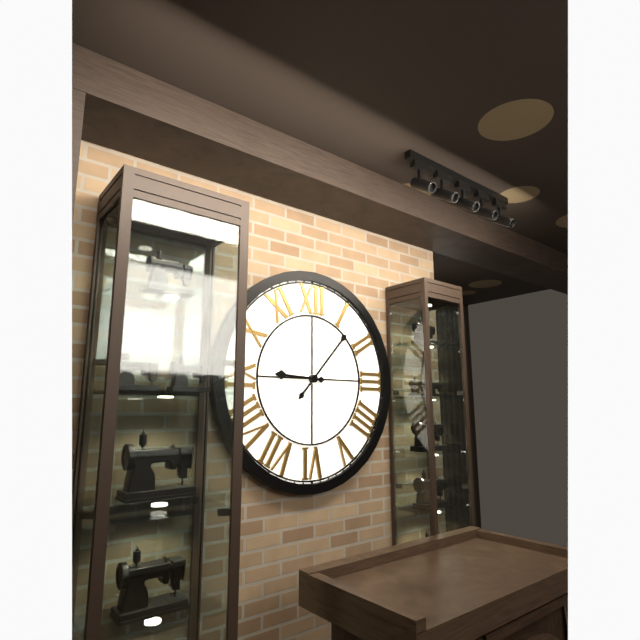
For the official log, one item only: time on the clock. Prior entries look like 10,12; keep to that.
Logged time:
9,07
